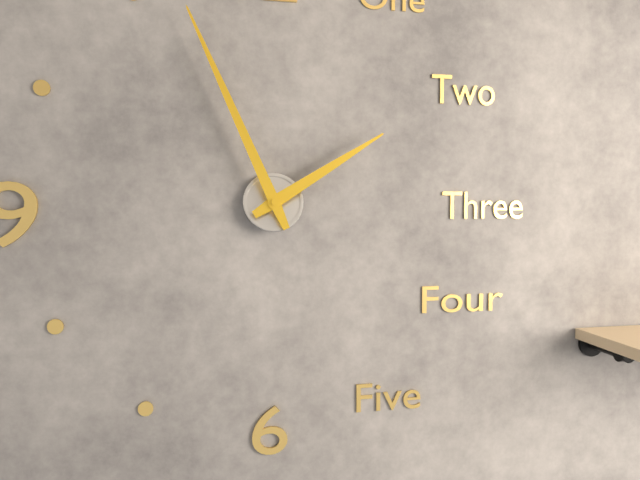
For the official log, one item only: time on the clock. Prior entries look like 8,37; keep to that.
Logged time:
1,56
